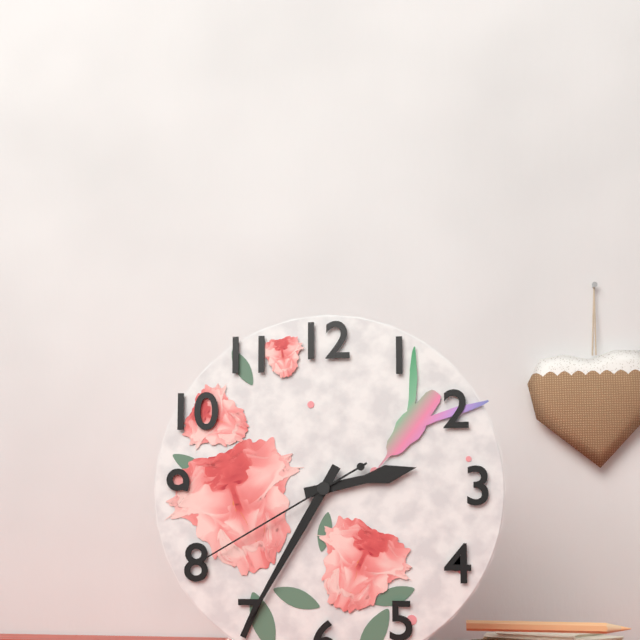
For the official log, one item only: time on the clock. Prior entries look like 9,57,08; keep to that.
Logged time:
2,35,40
